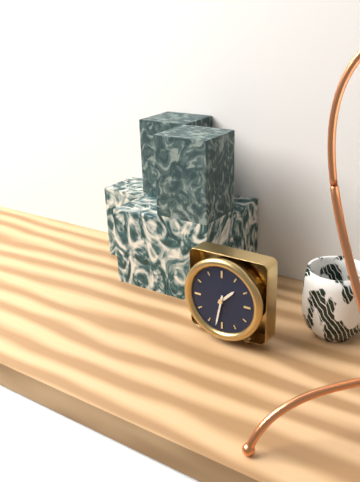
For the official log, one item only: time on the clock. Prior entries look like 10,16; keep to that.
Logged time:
1,32
